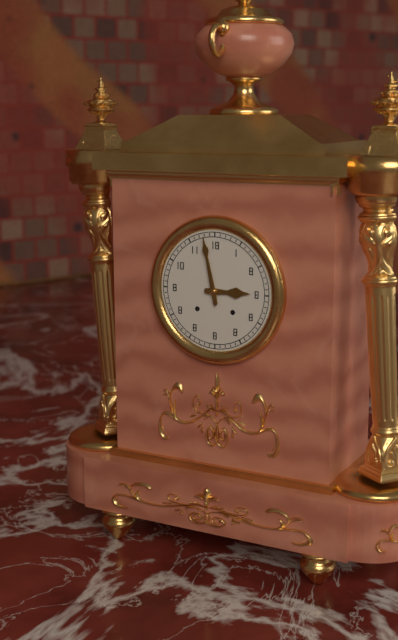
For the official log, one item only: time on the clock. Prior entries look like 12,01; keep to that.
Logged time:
2,58
